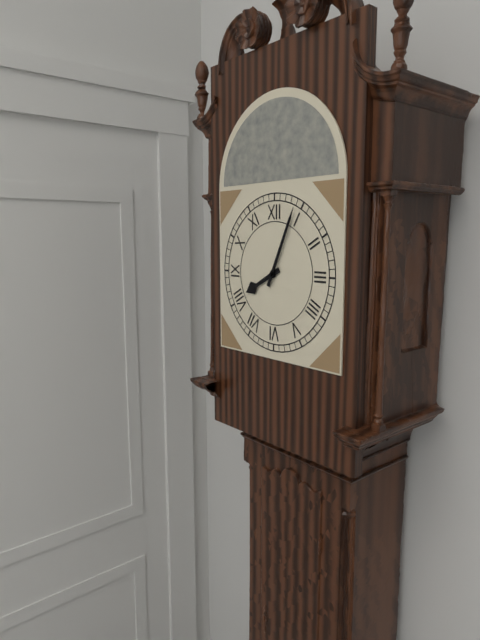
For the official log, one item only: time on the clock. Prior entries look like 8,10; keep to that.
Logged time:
8,04
